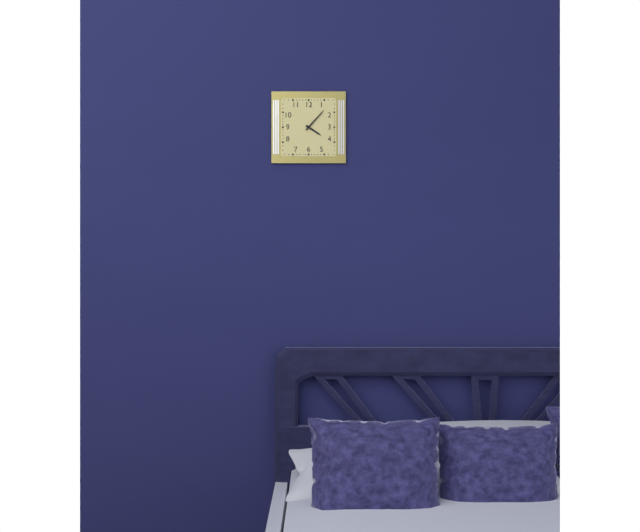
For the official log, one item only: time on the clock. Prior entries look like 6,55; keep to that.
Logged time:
4,07
